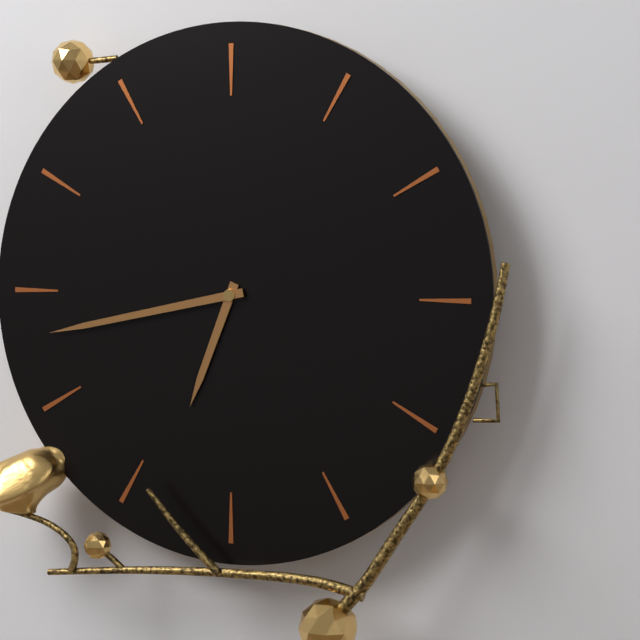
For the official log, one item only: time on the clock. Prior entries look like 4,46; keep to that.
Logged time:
6,43
